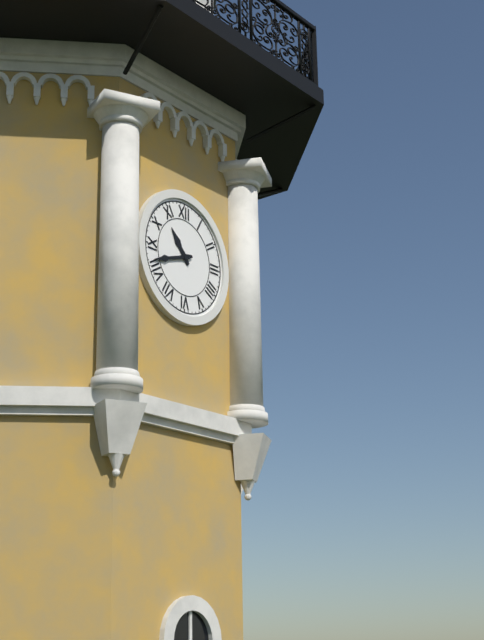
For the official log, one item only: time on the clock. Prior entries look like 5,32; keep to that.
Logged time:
10,42
